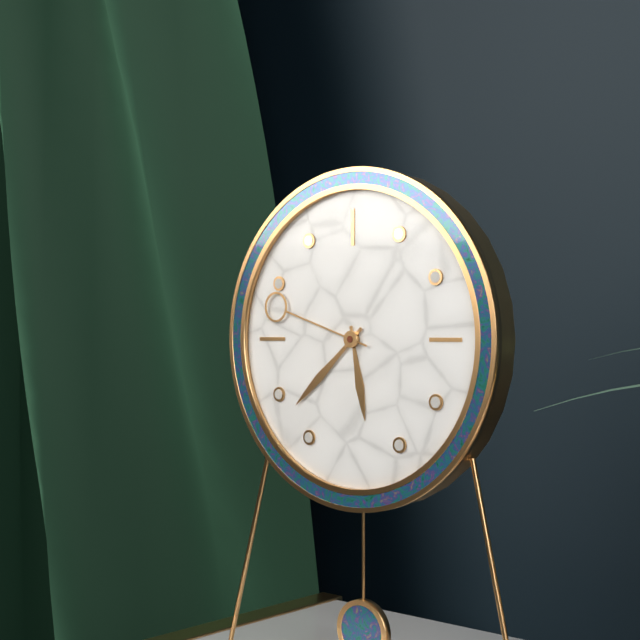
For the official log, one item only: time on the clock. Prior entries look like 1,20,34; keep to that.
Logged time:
5,38,48
